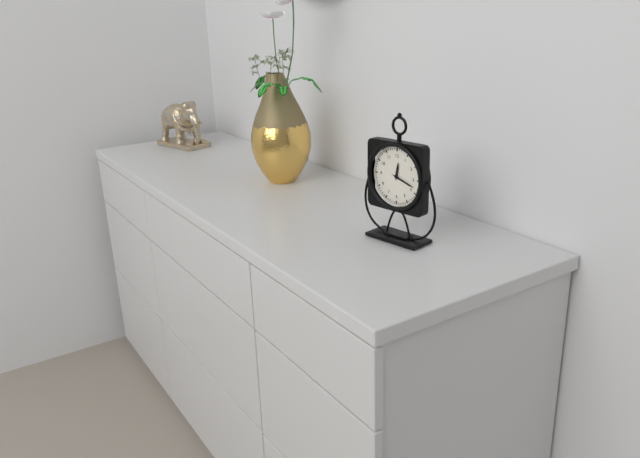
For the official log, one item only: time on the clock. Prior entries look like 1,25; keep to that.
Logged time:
12,18
